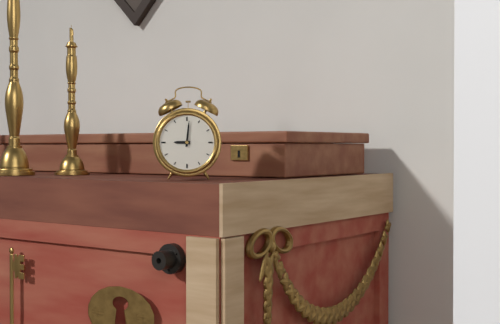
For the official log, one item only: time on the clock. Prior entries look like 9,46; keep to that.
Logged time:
9,01
